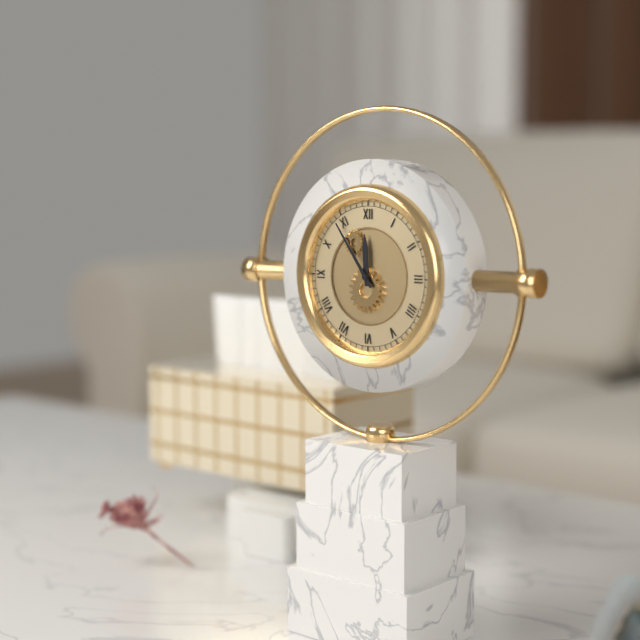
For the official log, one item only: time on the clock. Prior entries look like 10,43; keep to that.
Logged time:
11,54
